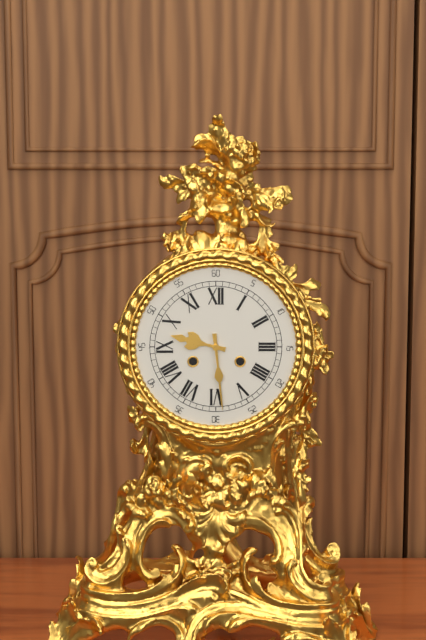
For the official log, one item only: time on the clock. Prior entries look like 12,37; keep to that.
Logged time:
9,29
